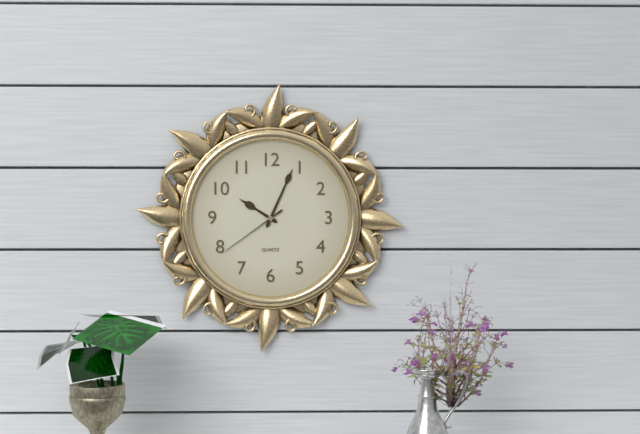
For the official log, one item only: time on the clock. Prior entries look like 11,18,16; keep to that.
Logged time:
10,04,39
